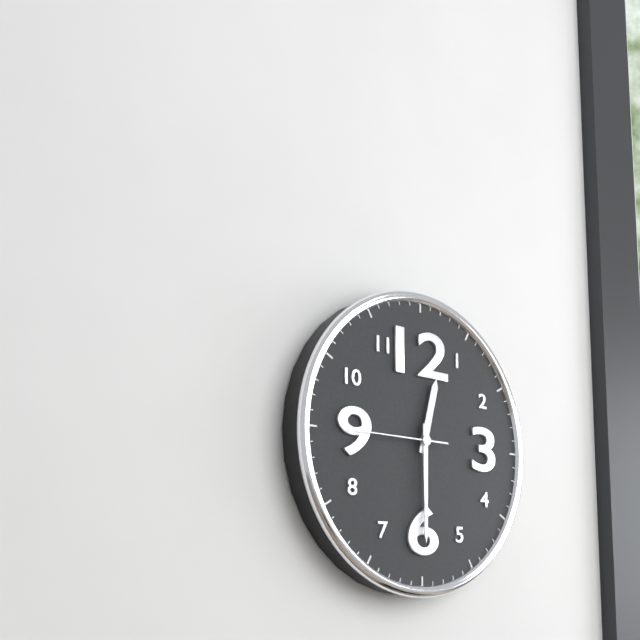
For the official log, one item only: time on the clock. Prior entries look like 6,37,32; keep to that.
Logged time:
12,30,45
